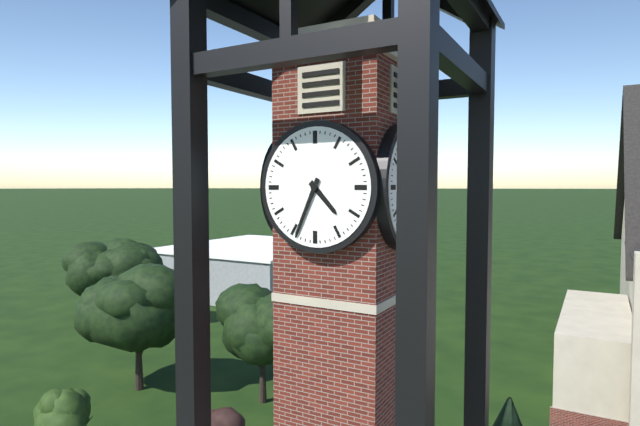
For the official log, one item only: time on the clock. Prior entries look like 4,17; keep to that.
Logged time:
4,34
